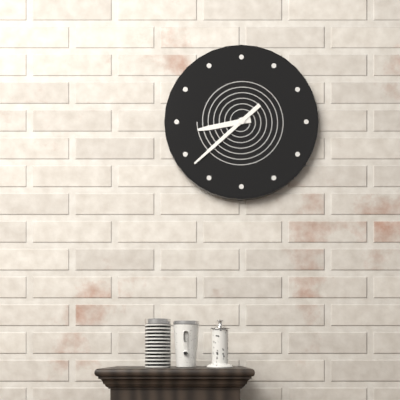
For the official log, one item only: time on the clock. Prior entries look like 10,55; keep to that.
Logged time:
8,38
